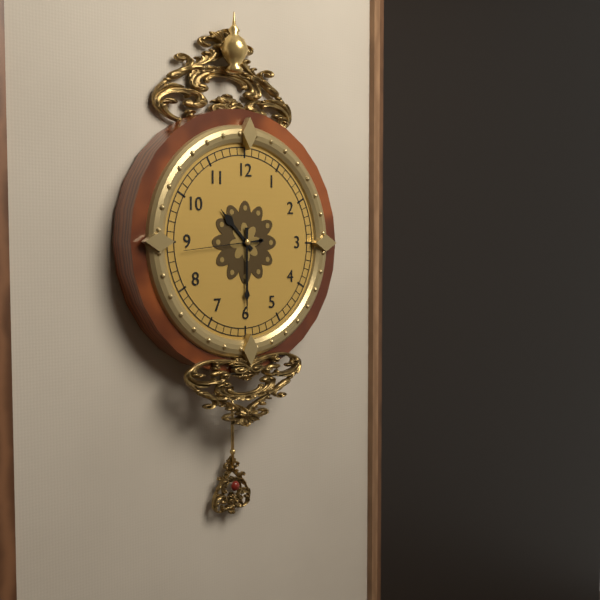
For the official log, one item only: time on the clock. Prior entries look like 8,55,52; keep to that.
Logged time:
10,30,44
